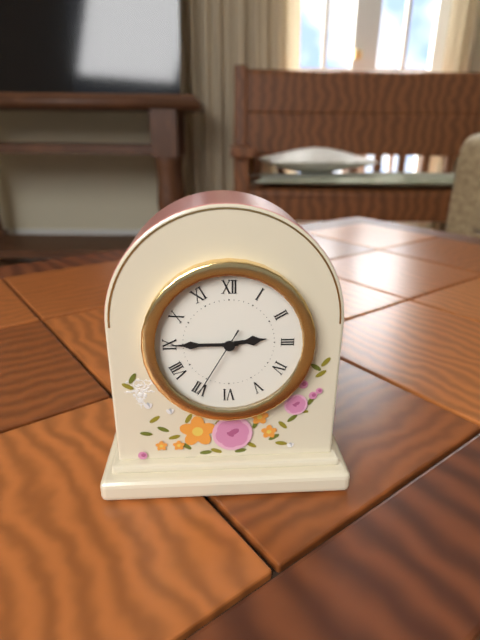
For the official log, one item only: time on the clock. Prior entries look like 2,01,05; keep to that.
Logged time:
2,45,35
